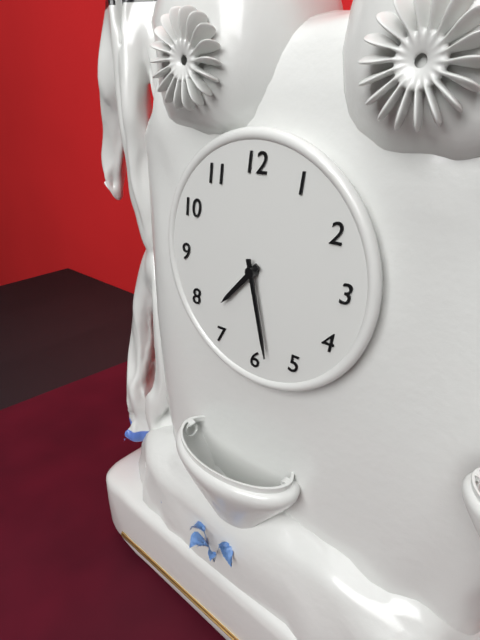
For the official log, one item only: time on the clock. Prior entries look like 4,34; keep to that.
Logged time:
7,28
